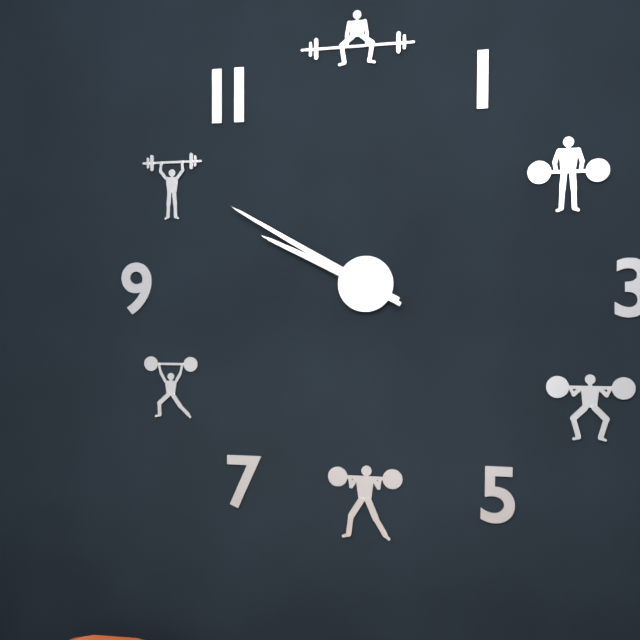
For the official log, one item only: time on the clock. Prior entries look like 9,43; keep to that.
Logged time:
9,50
